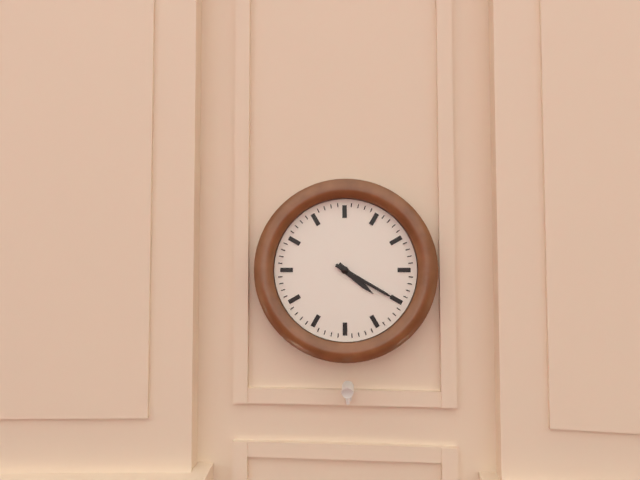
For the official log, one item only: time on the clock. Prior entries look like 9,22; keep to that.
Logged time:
4,20
